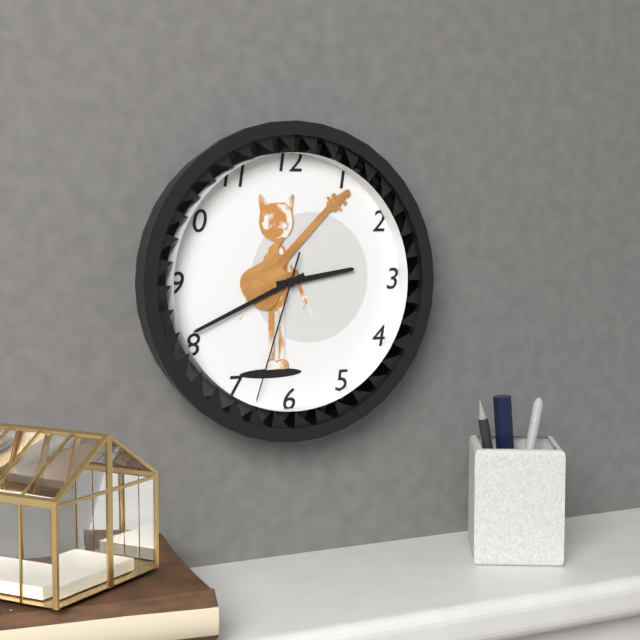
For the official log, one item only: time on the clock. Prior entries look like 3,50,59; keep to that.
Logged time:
2,41,33
